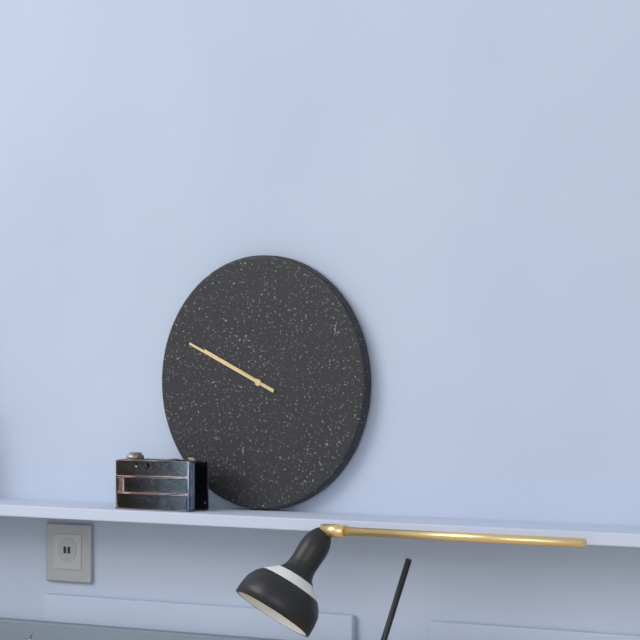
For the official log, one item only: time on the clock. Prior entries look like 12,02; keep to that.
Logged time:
9,49
